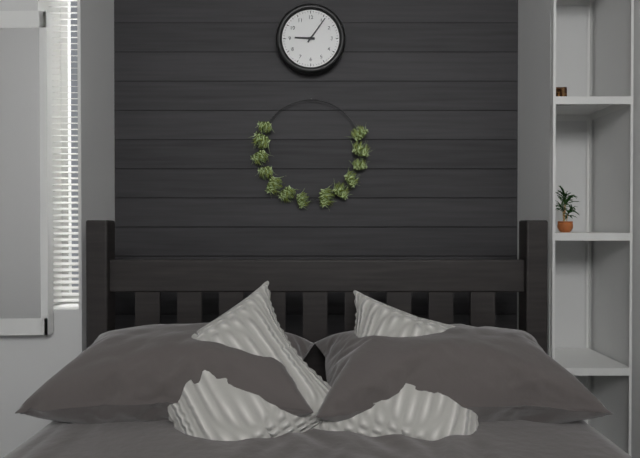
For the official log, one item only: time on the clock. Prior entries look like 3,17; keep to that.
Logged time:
9,06
